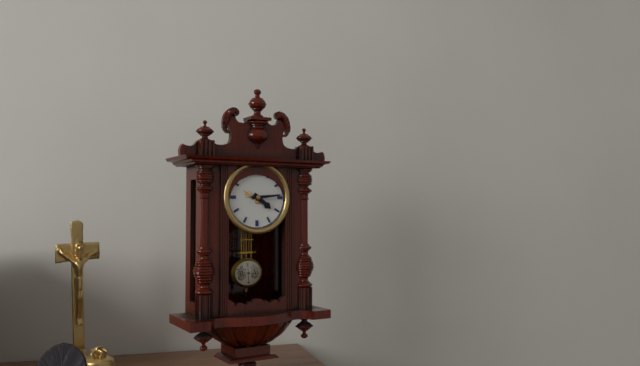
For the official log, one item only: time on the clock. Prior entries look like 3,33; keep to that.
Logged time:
4,14
